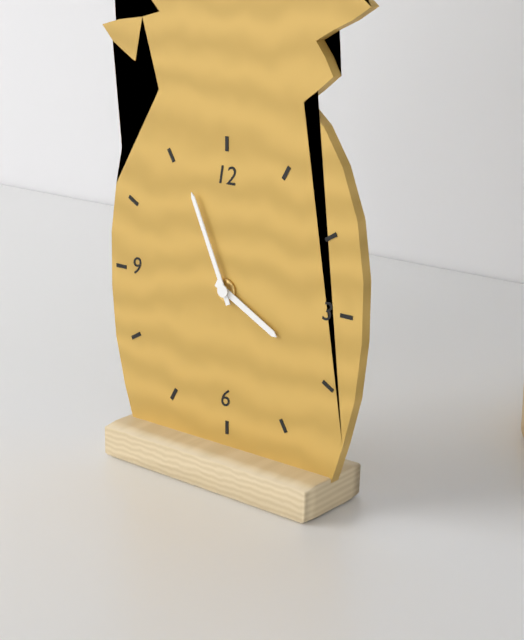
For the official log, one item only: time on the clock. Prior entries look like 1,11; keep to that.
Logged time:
3,56
